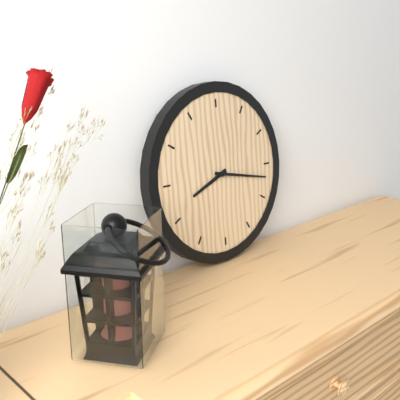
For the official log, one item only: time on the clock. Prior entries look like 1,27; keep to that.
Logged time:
8,17
